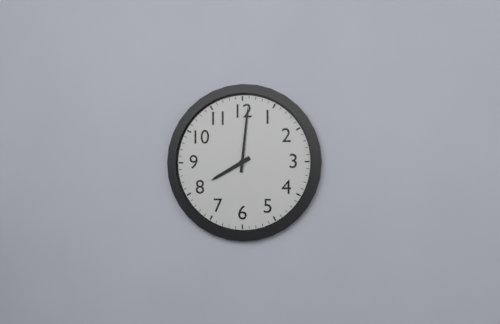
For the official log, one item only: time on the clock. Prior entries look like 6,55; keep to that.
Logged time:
8,01
